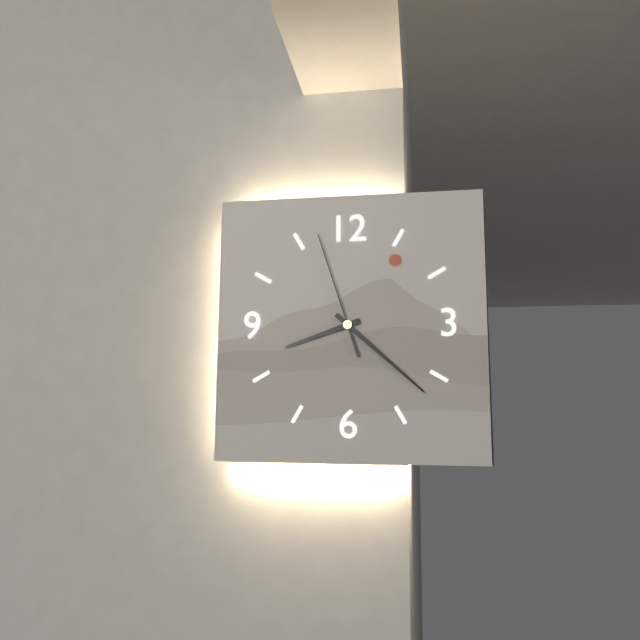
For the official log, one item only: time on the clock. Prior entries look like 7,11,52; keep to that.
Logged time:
8,22,57
